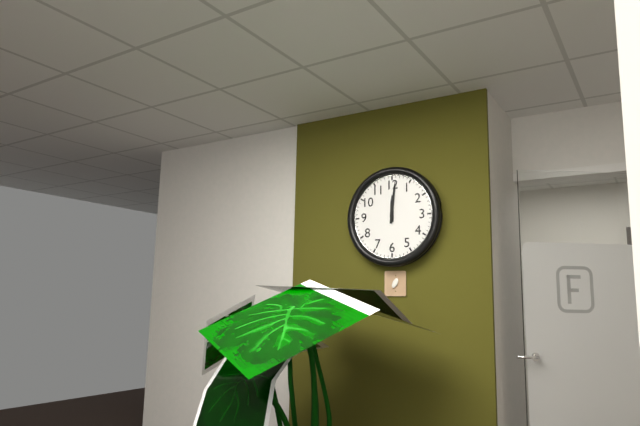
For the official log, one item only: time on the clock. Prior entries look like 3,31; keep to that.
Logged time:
12,01
